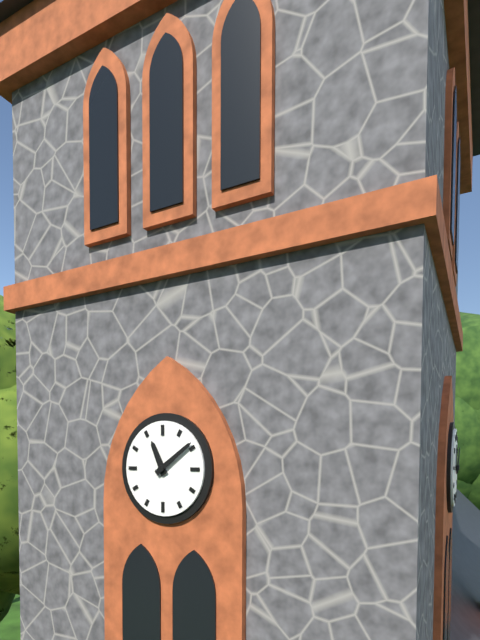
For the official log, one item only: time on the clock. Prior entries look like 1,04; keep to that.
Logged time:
11,09
